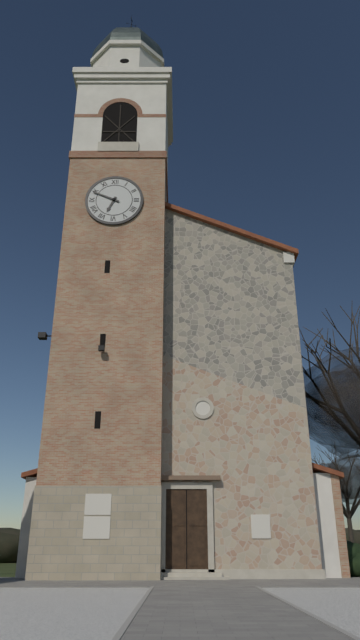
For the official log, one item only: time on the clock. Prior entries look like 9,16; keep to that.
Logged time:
6,49
